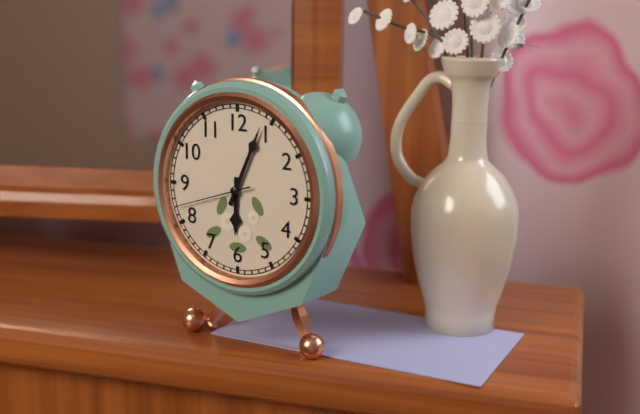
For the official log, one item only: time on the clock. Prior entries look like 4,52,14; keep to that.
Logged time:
6,04,42
